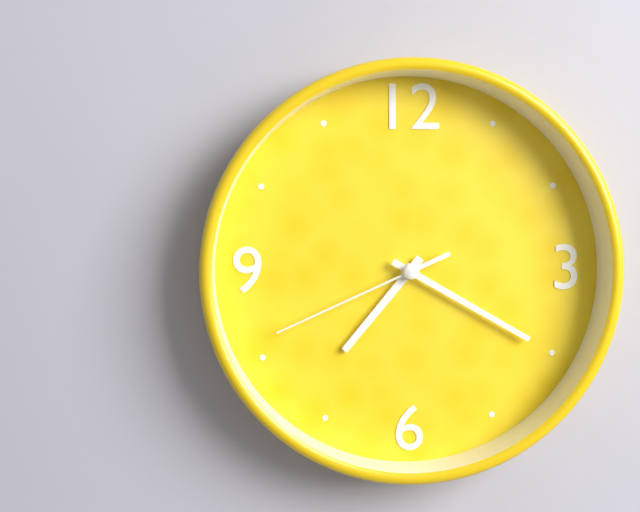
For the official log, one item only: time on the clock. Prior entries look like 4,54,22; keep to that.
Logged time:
7,20,41
